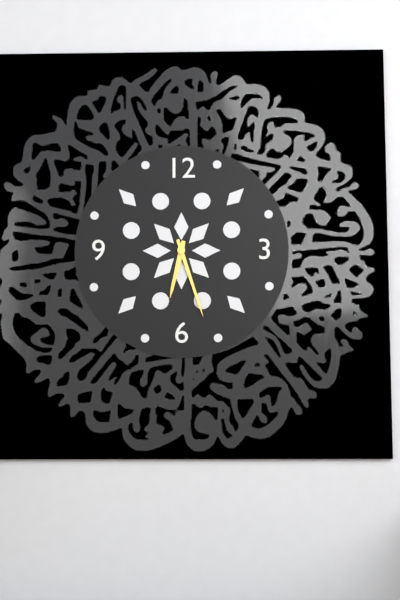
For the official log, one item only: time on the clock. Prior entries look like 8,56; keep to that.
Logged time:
6,27
